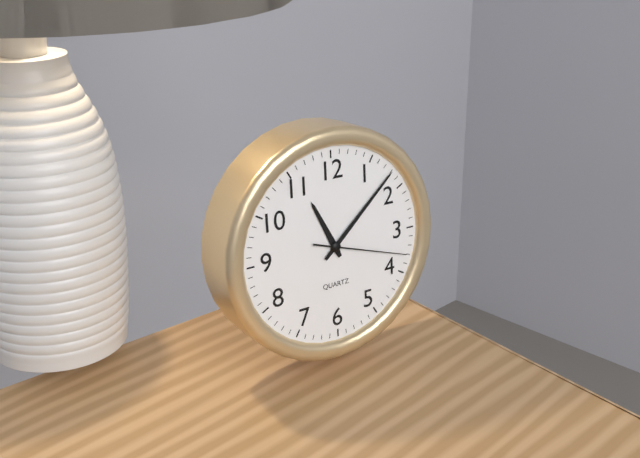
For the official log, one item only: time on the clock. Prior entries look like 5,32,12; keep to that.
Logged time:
11,08,18
